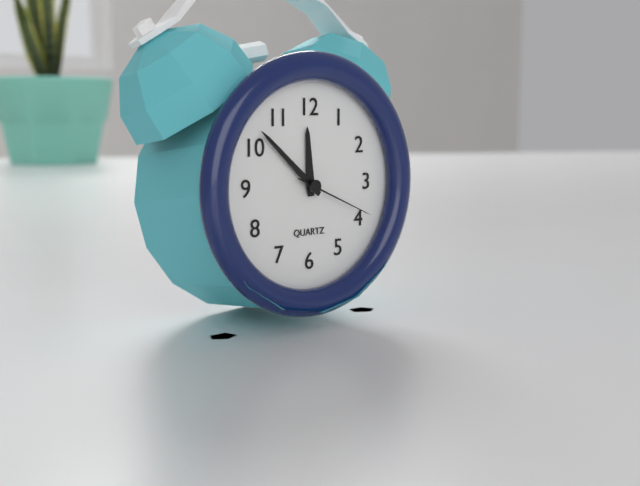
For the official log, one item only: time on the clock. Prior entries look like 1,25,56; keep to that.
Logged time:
11,52,19
